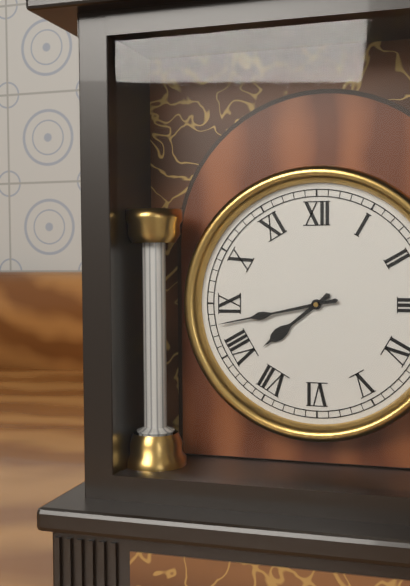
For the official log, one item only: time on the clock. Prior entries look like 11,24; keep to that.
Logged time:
7,43
